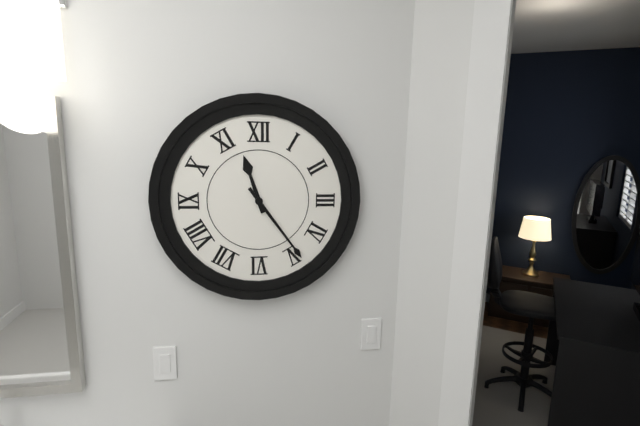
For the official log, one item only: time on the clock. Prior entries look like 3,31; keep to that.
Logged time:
11,24
